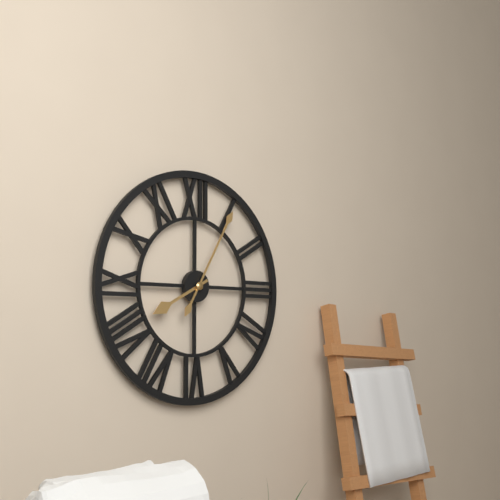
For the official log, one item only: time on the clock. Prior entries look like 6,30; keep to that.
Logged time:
8,05
